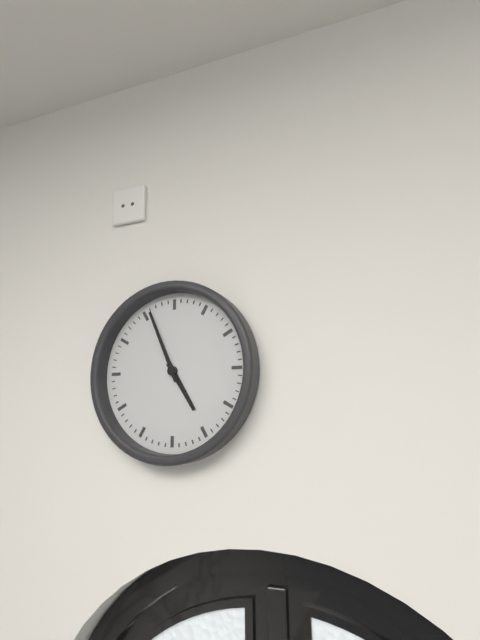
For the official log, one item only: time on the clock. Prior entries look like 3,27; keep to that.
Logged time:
4,56
